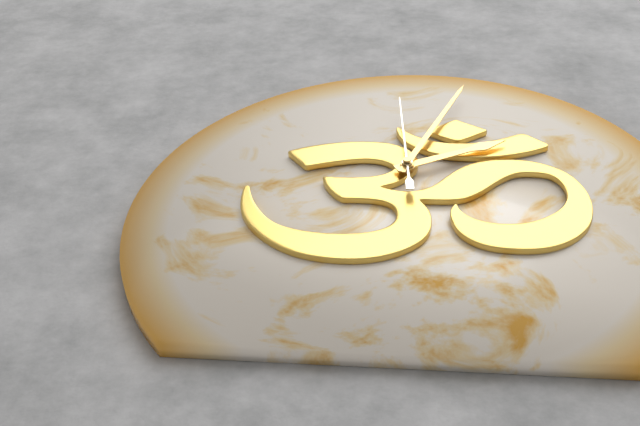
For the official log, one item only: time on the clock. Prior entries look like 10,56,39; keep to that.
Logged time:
2,03,59
